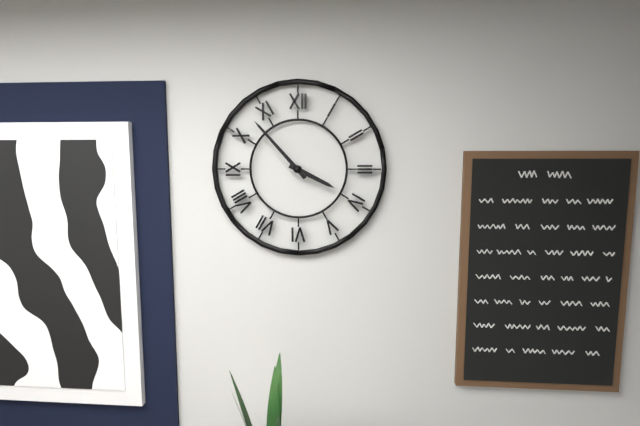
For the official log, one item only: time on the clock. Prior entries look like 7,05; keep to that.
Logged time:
3,53
